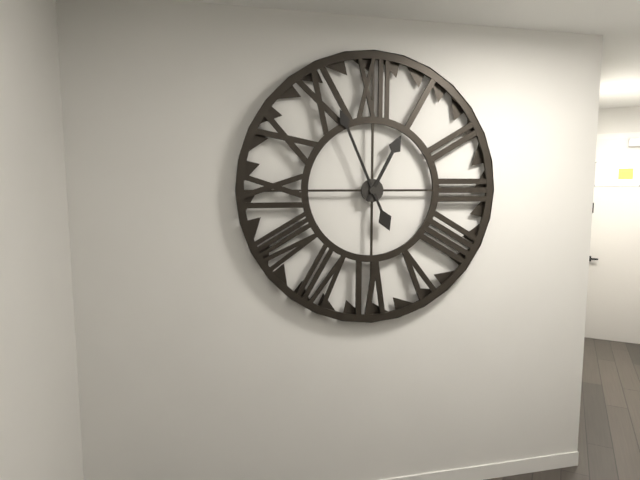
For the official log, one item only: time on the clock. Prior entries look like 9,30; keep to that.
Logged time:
12,56
